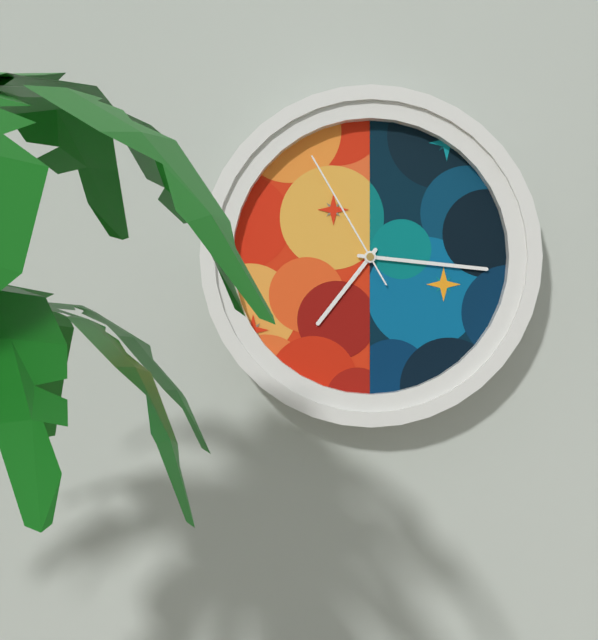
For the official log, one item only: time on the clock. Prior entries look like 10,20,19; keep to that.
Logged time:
7,16,55
